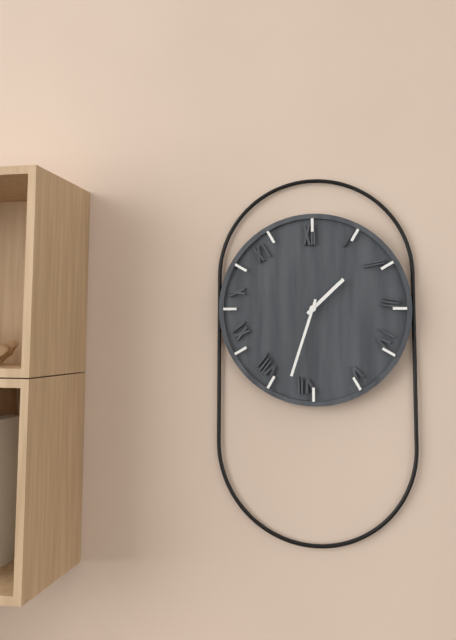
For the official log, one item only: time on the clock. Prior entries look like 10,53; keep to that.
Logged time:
1,33
